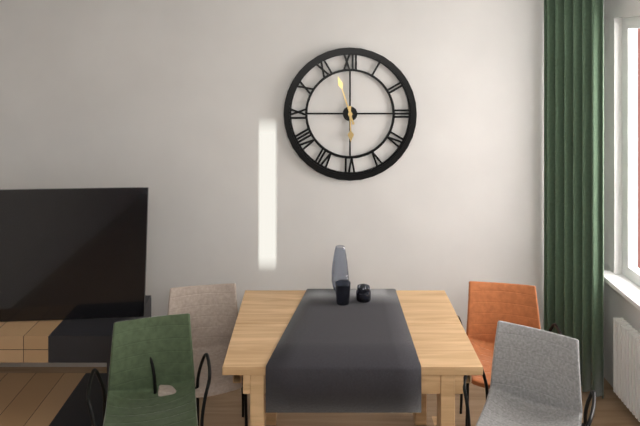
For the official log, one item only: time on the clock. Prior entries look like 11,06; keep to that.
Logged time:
5,57
